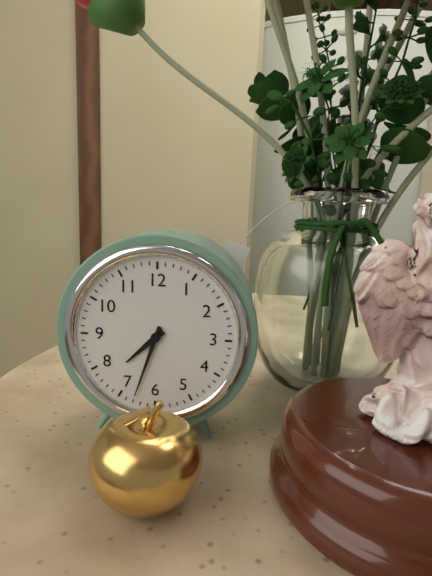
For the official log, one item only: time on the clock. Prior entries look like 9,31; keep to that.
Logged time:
7,33
